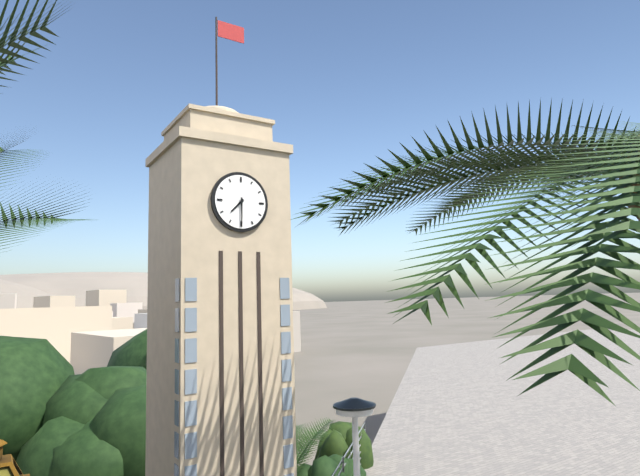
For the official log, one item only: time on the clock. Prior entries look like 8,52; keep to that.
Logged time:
7,30
